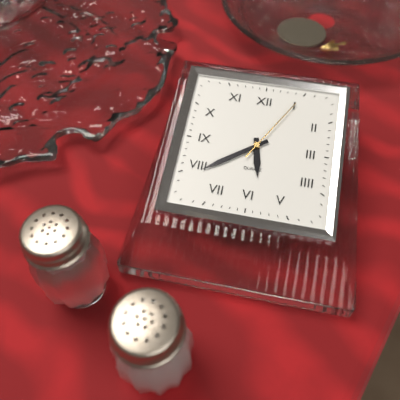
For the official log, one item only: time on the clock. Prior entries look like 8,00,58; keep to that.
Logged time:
5,39,05
